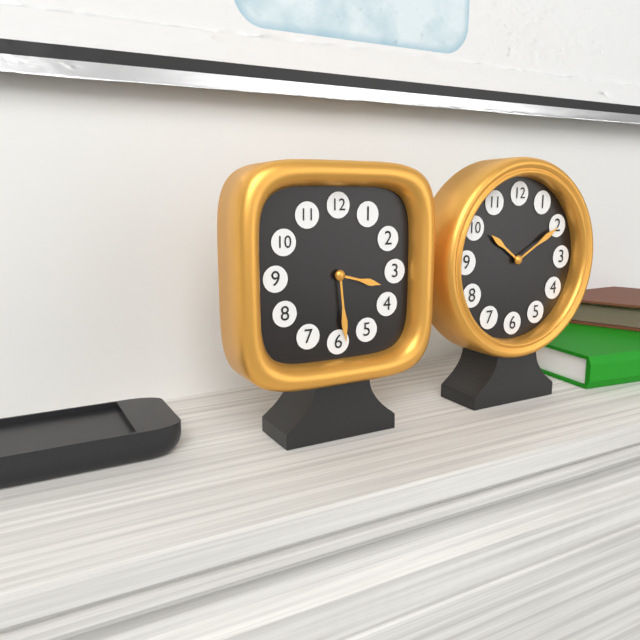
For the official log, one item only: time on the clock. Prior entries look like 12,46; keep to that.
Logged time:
3,29
